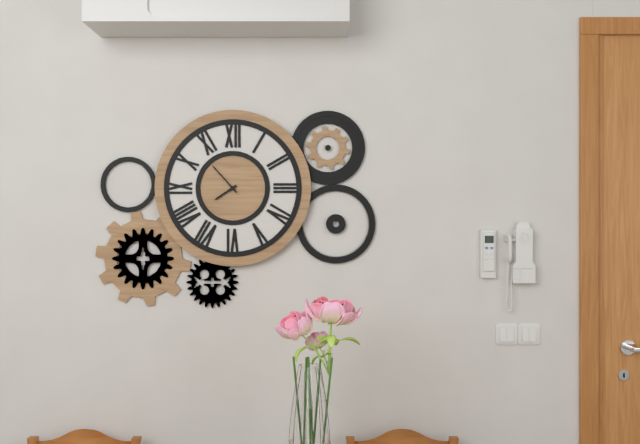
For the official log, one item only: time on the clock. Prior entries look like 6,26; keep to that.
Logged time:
7,53
